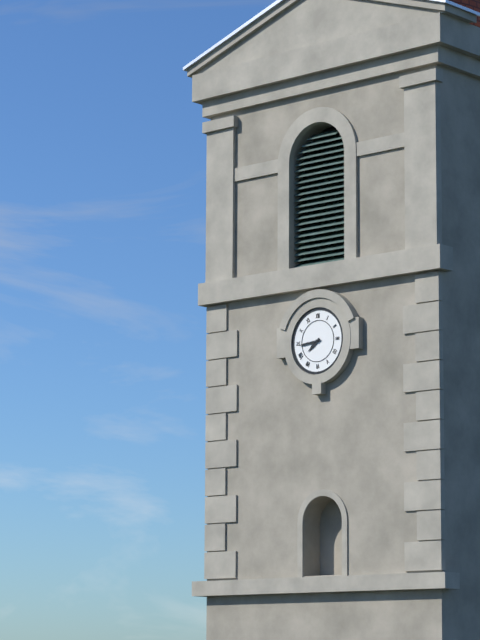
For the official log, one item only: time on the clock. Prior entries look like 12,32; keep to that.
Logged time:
7,44
